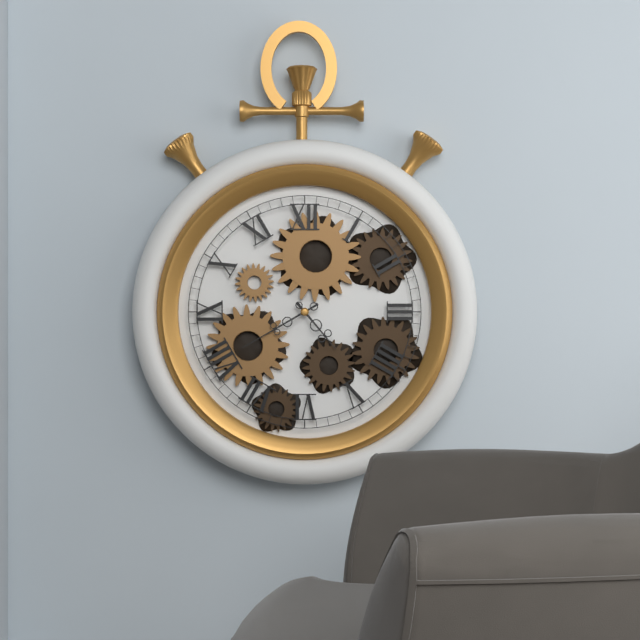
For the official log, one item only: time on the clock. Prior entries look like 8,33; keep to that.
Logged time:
4,40
